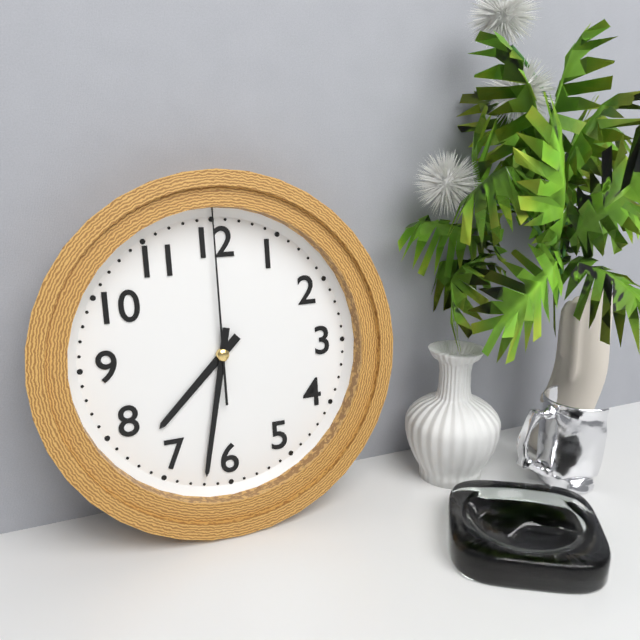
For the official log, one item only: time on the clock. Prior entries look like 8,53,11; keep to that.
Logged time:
7,32,00
